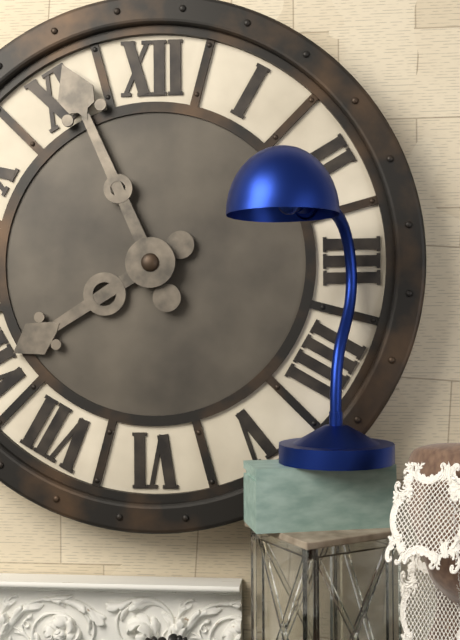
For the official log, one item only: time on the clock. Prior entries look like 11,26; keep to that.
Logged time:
7,56
